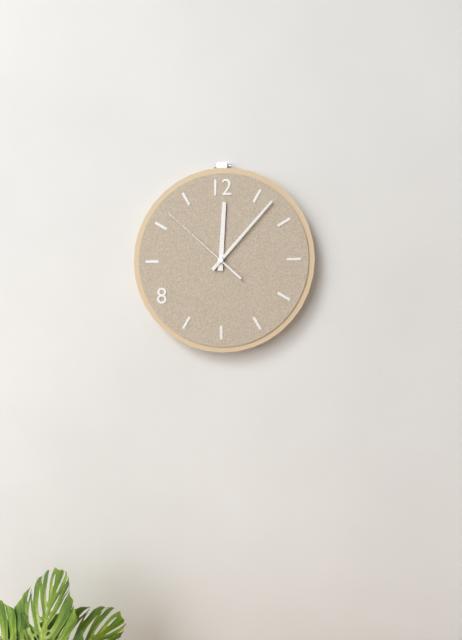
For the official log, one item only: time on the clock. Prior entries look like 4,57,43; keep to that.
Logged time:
12,07,52
